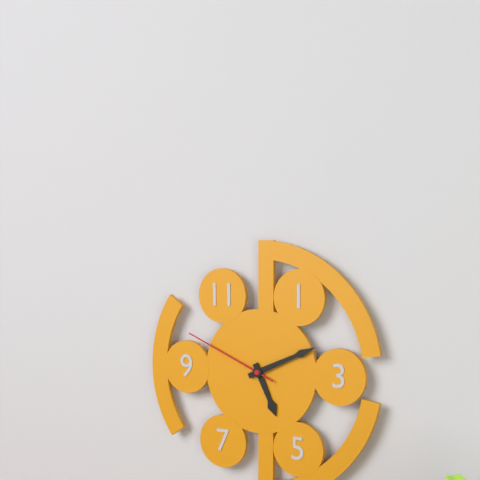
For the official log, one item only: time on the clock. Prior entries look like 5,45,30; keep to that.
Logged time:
5,11,49
